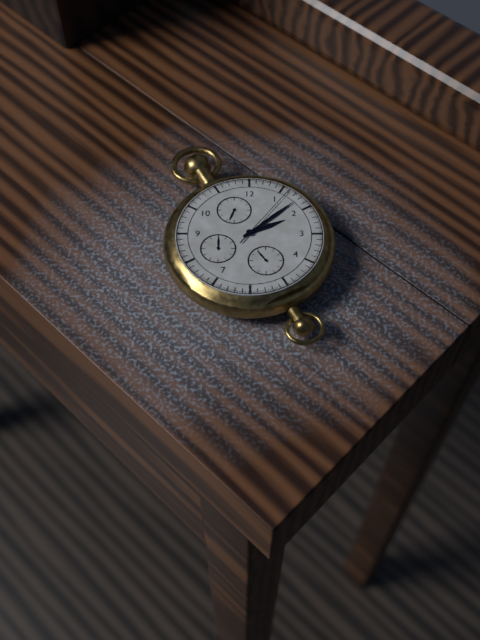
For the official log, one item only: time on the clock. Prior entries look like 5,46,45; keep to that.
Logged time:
2,08,06
